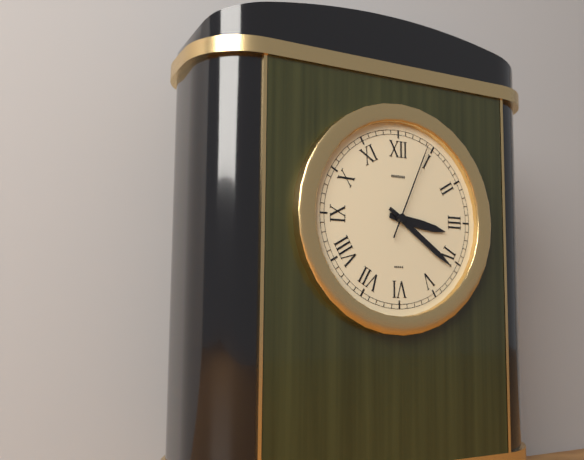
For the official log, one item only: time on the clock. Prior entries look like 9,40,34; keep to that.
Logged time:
3,21,04
